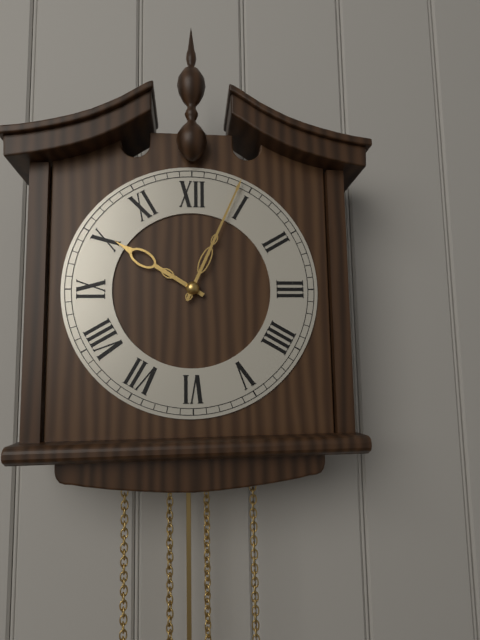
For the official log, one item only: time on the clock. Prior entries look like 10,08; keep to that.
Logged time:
10,04
